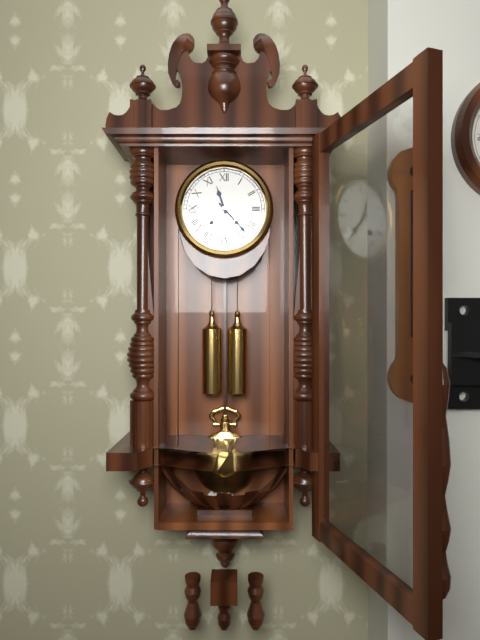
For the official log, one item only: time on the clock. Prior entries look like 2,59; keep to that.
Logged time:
11,23
